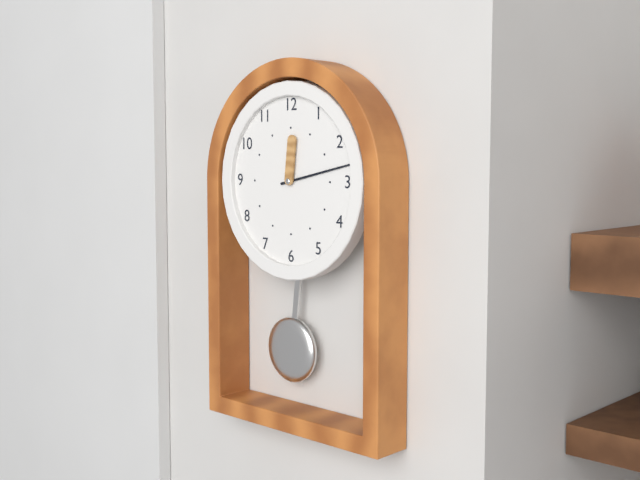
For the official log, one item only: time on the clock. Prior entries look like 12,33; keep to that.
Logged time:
12,13
